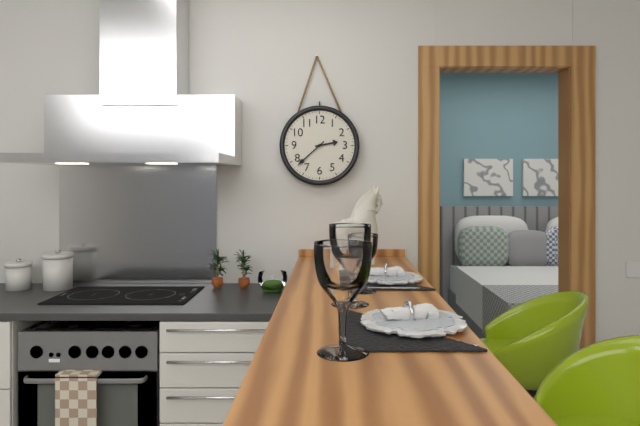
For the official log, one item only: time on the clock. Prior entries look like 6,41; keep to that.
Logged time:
2,38
